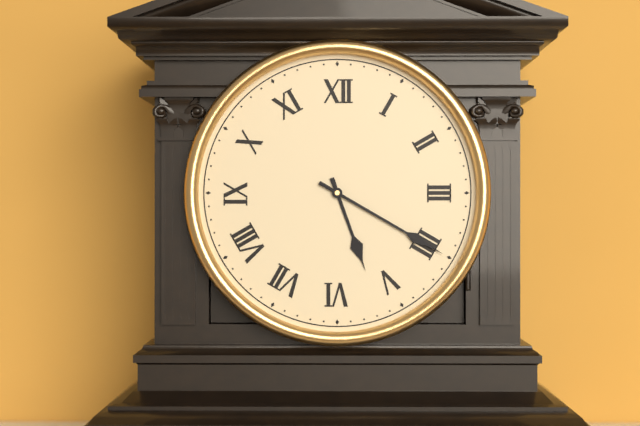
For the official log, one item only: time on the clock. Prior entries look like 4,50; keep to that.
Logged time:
5,20
